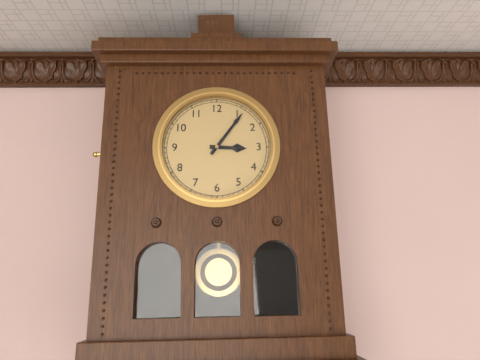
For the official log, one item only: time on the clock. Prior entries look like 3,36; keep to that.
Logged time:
3,06
